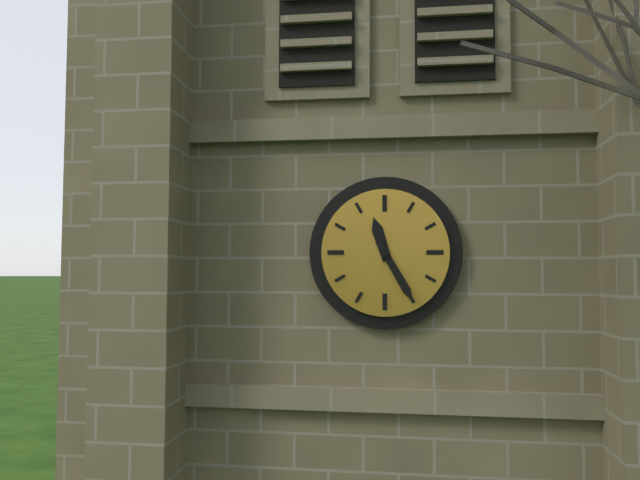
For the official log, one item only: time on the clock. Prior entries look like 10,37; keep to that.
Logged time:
11,25
